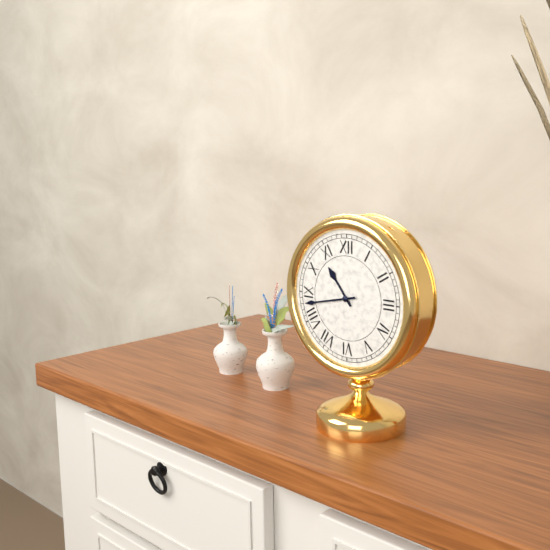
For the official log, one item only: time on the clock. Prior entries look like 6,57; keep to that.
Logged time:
10,43
